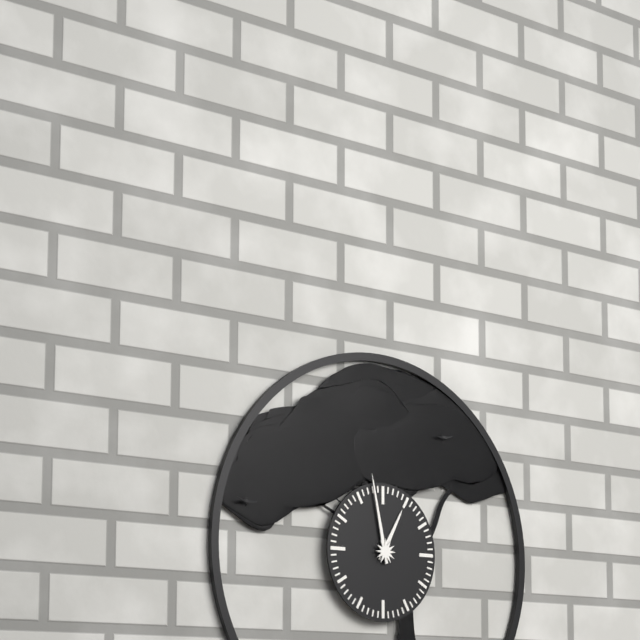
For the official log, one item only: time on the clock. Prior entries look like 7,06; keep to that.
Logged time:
12,58
